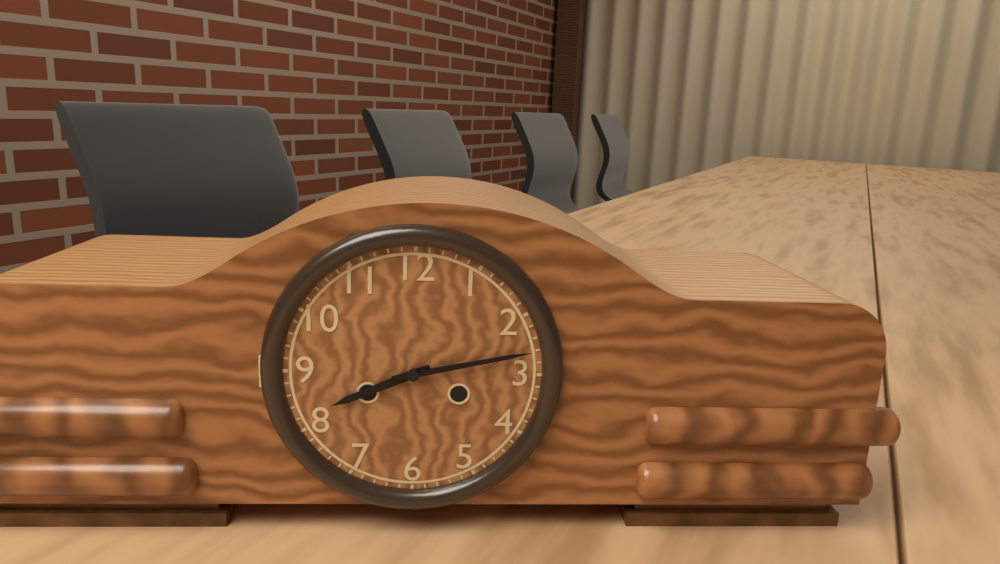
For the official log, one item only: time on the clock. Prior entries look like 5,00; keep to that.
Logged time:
8,13
